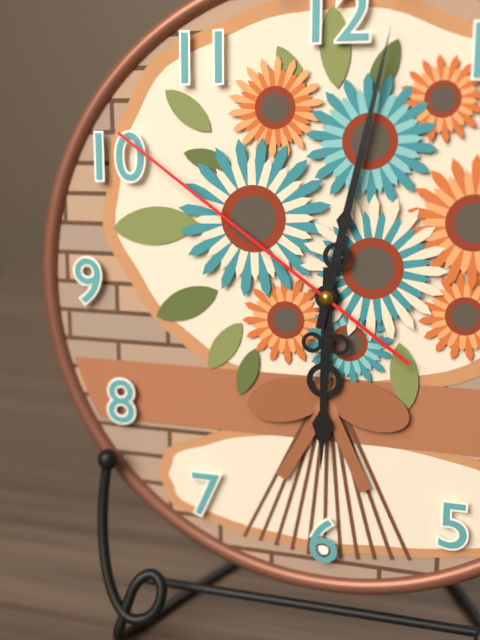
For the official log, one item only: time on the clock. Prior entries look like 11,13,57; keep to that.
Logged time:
6,02,51
